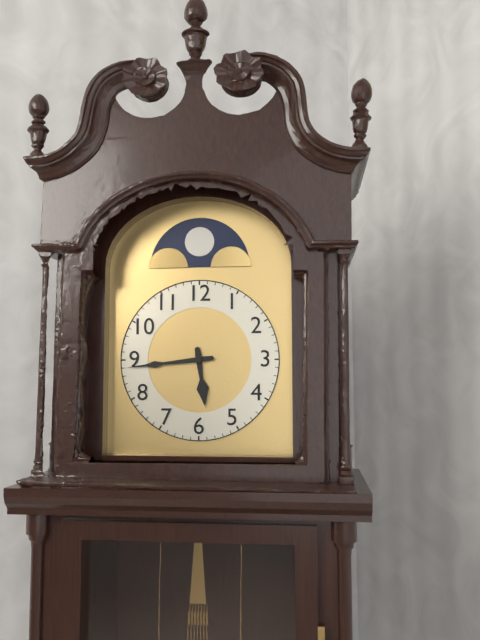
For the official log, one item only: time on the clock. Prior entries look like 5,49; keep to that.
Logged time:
5,44
